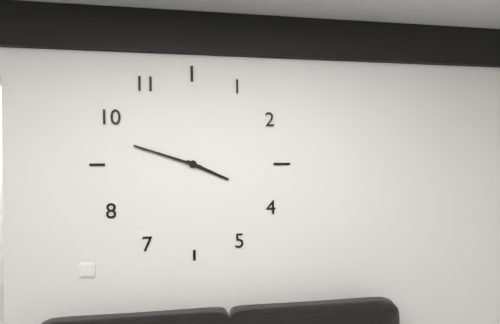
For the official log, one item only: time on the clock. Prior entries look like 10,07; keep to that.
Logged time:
3,48
